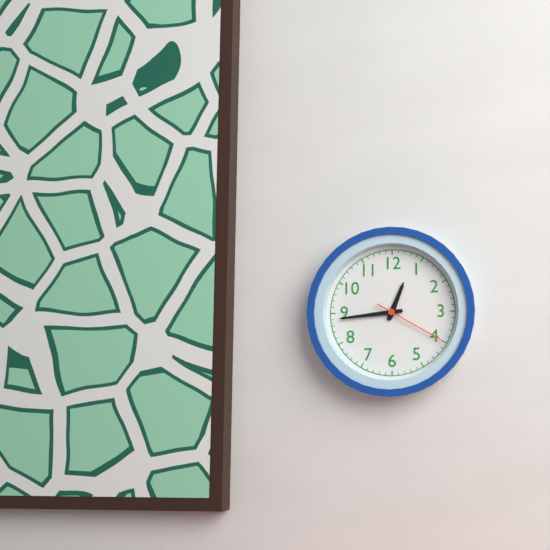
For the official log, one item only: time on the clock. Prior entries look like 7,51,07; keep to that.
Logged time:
12,44,20
